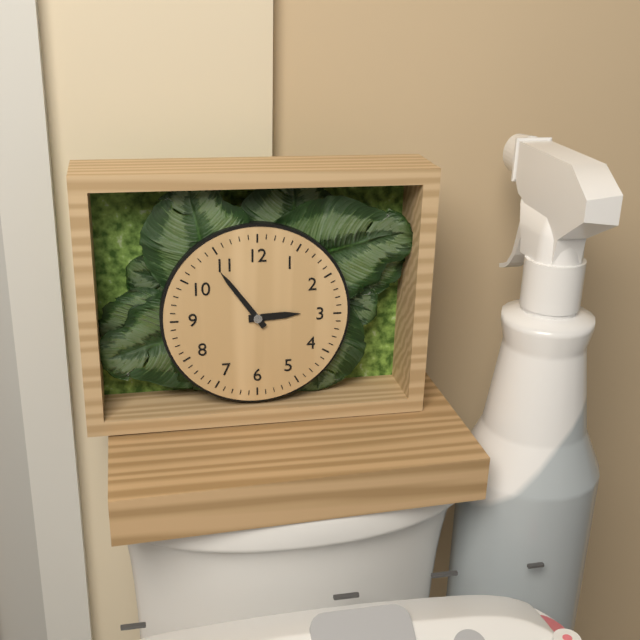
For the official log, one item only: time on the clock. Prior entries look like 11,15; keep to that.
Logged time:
2,54
